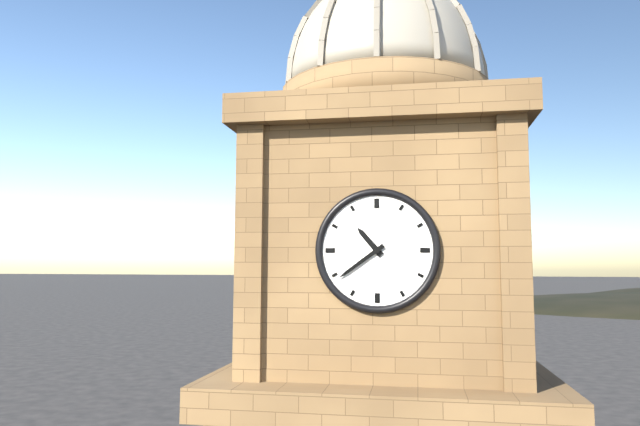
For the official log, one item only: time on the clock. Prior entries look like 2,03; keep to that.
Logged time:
10,39
